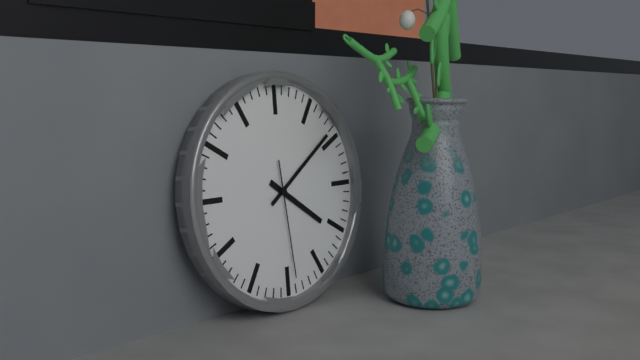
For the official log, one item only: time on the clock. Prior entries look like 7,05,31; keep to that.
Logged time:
4,09,29
